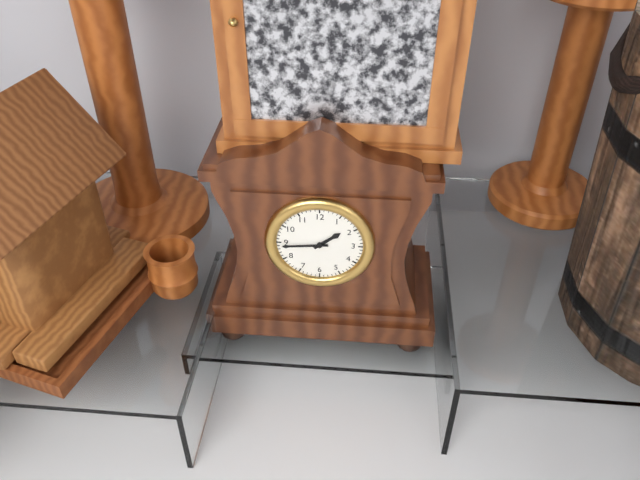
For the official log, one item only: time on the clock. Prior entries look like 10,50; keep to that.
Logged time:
1,44
